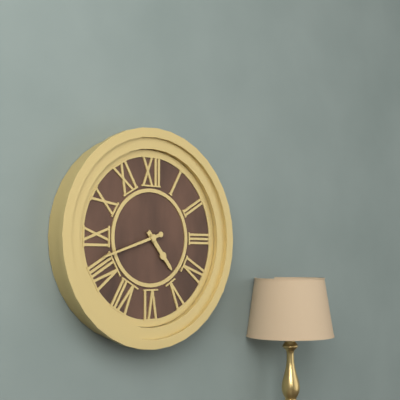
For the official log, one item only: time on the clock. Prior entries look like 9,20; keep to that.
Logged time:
4,42
